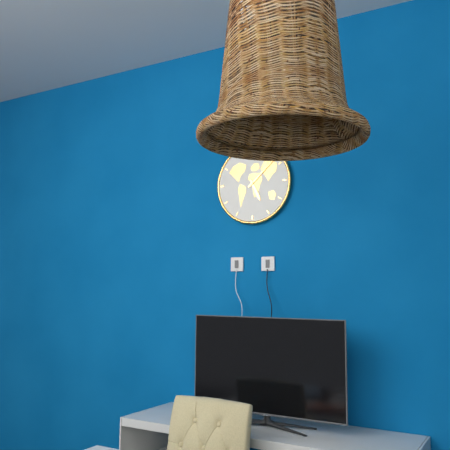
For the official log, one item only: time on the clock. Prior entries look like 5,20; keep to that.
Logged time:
5,08
